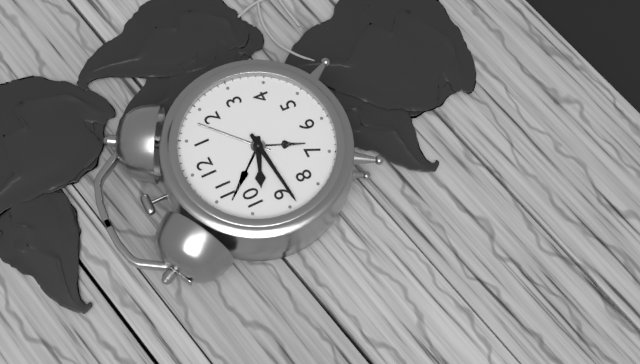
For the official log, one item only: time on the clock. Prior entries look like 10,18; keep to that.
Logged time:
9,44
